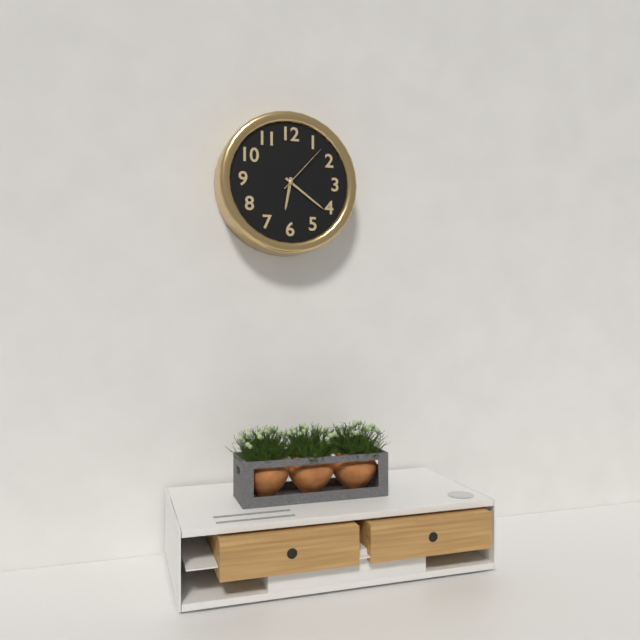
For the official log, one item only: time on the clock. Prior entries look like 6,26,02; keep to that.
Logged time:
6,21,07
